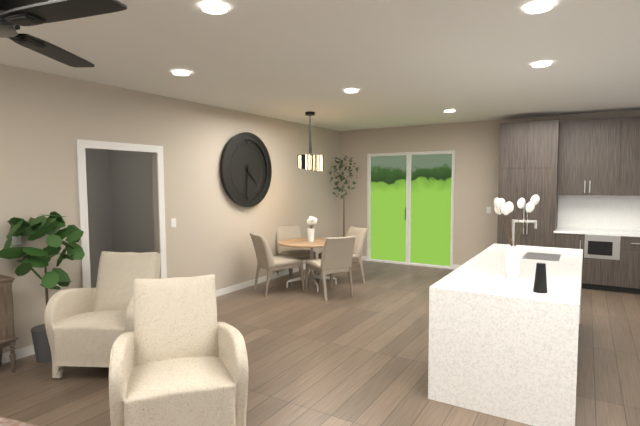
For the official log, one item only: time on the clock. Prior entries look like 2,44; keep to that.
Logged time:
4,31
